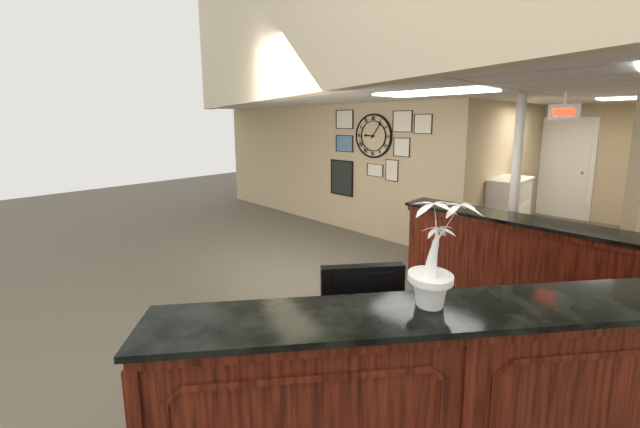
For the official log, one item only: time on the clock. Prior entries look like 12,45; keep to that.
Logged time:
9,06
